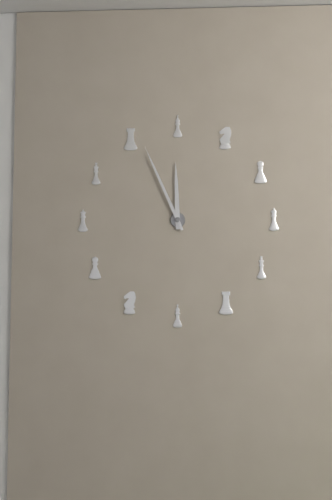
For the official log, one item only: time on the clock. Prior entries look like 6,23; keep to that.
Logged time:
11,56
